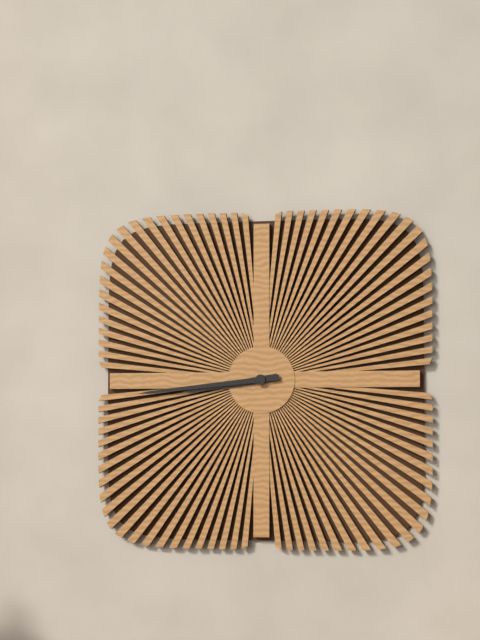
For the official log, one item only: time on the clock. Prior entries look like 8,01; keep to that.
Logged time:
8,44
